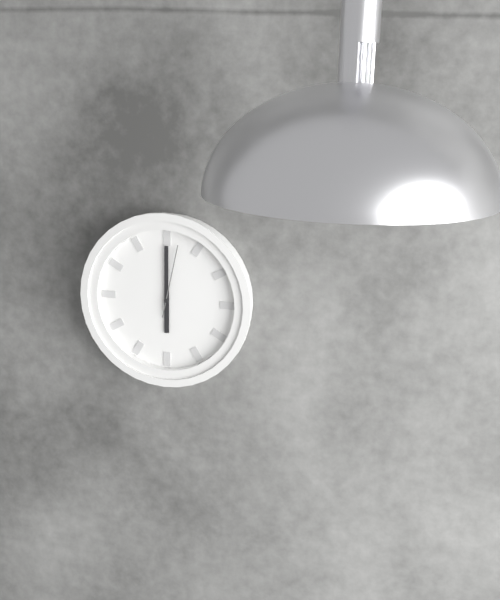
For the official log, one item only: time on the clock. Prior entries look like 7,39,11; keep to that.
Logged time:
6,00,02
